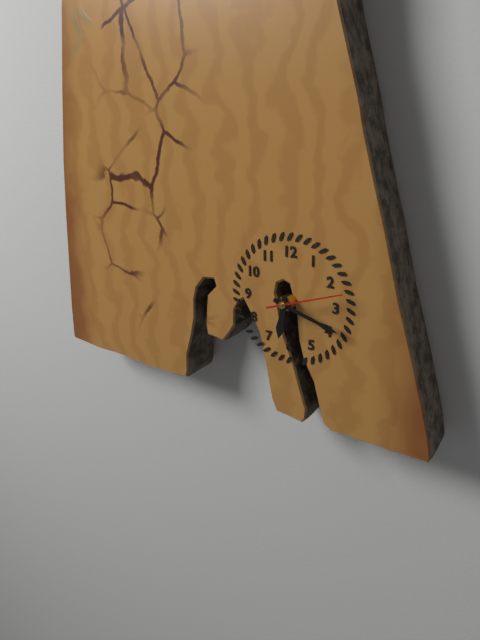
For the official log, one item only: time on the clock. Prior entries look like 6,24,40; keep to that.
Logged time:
6,18,12
